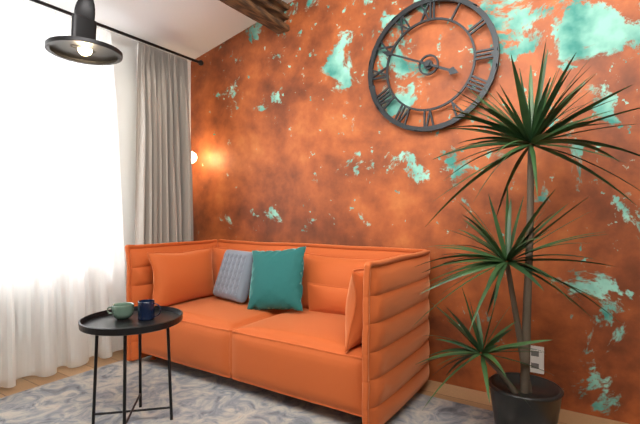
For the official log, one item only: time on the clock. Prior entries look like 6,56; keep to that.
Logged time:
3,49
